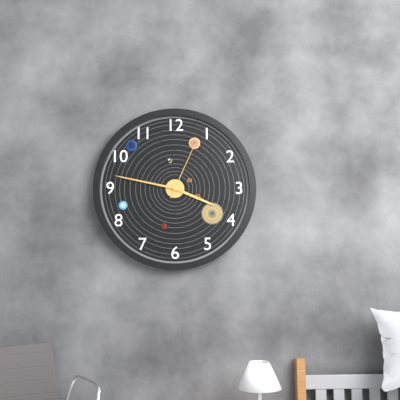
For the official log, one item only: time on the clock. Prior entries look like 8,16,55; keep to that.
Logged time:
3,47,04
